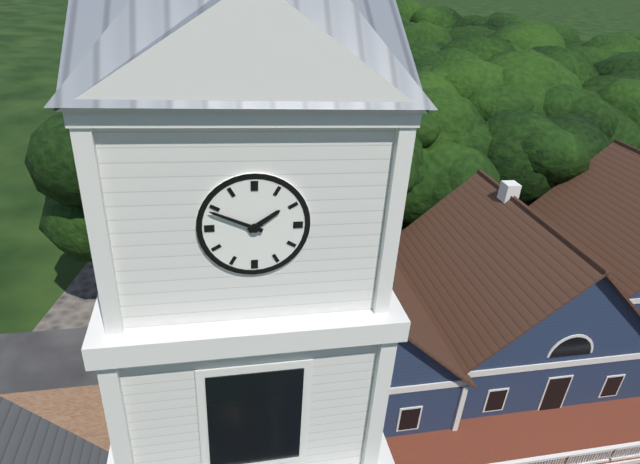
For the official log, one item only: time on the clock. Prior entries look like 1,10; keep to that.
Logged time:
1,49
